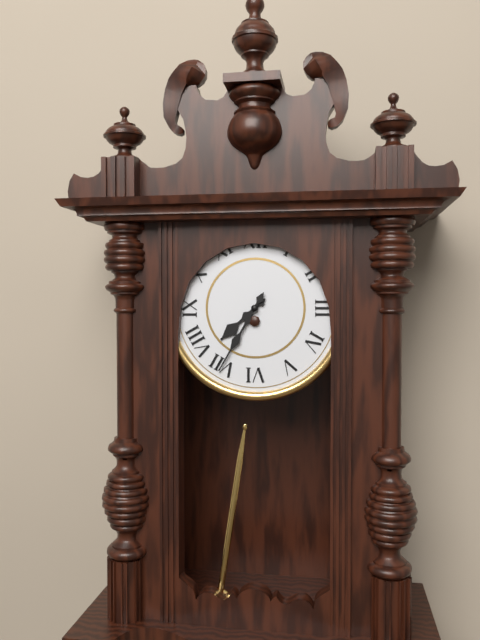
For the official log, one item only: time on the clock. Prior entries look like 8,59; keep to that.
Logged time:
7,35
